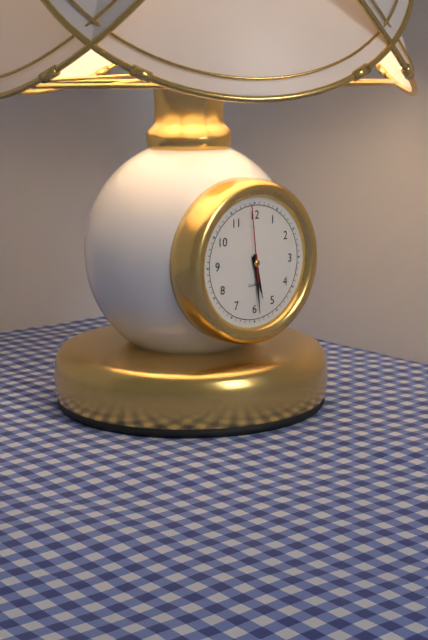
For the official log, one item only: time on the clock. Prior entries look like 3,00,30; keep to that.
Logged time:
5,29,59
